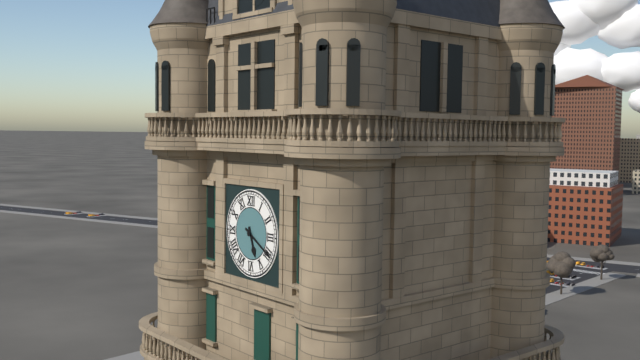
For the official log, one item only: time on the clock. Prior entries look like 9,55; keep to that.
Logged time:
5,20
